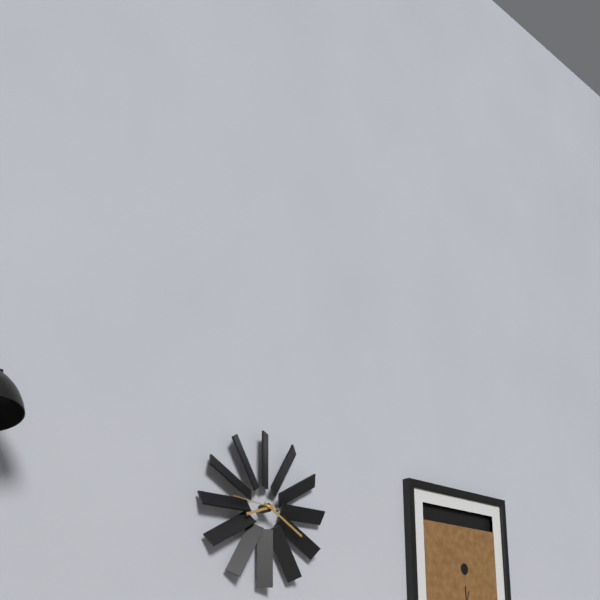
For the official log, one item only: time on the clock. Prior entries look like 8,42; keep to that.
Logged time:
8,20
